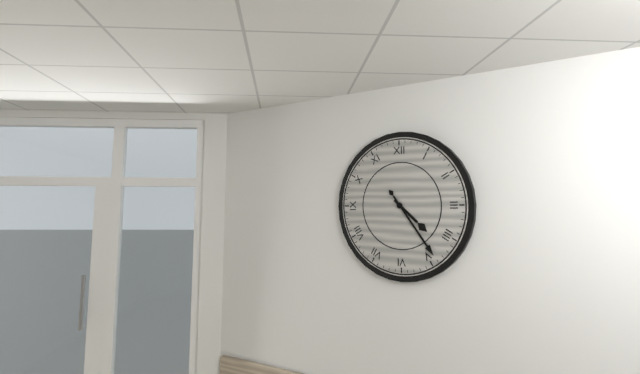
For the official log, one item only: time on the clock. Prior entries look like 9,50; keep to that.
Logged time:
4,24
